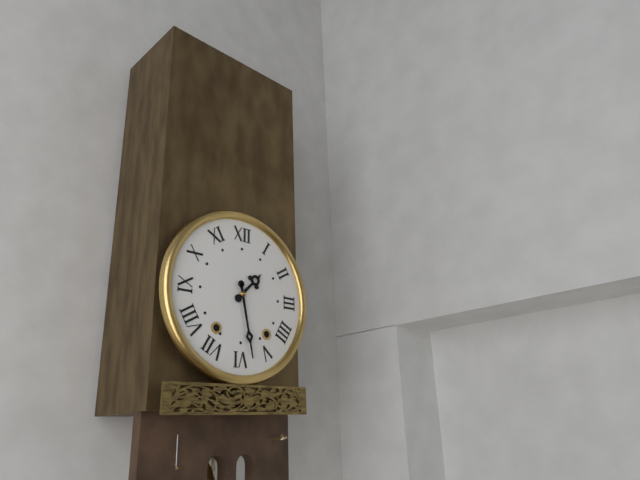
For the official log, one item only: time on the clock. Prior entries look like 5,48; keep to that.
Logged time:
1,28
